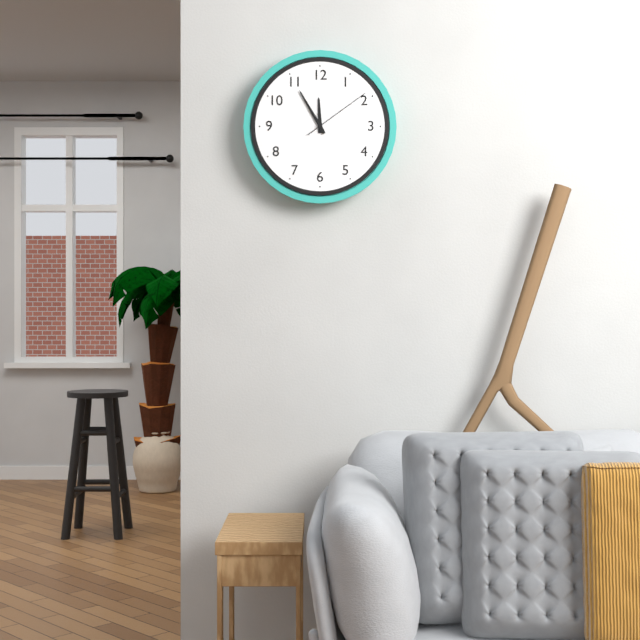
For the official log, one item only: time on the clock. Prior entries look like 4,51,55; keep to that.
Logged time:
11,55,09
